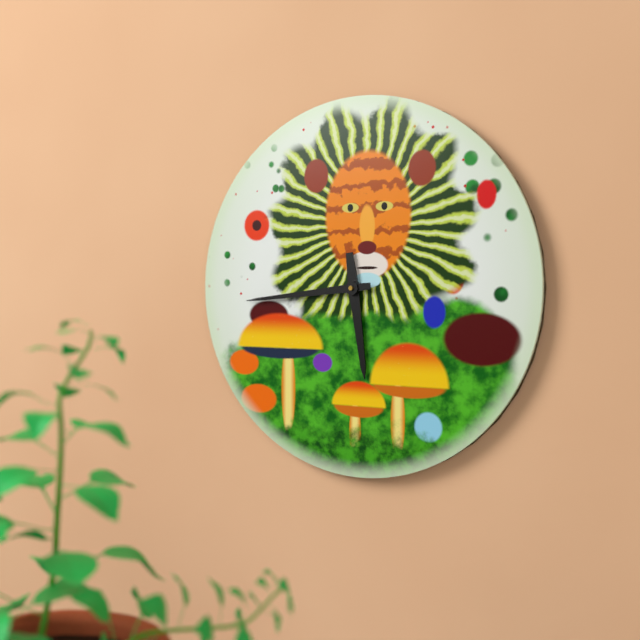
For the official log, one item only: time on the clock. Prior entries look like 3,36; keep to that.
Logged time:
5,44
